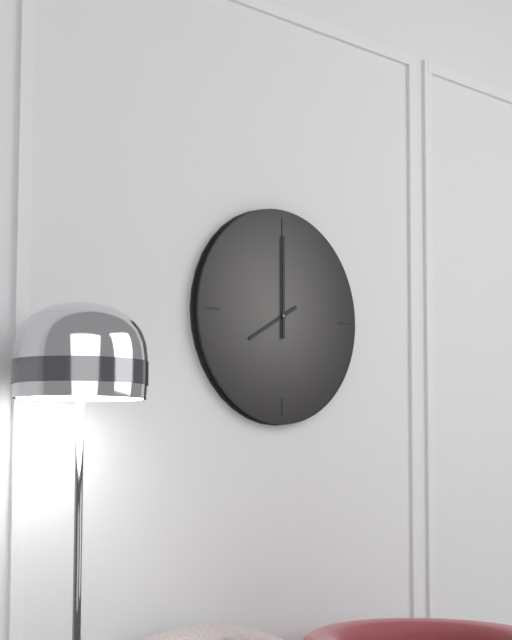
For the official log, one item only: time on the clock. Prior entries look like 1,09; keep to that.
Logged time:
8,00
